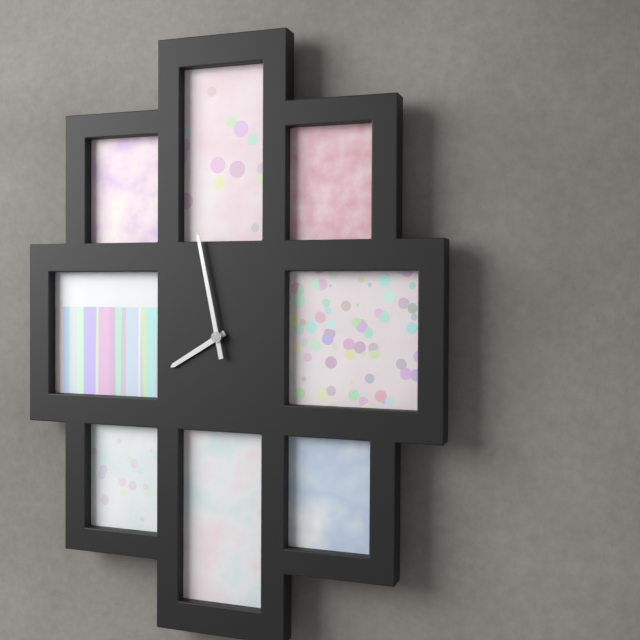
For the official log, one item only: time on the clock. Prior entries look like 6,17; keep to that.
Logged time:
7,58
